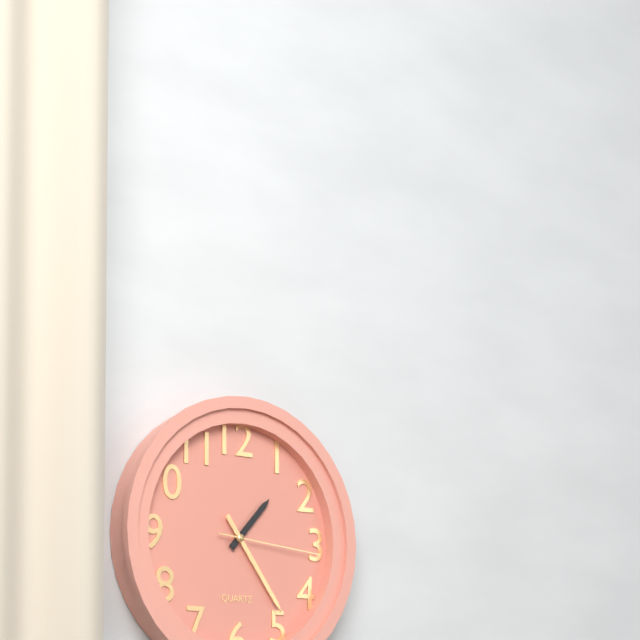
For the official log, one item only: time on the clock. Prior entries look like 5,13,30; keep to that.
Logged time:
1,24,16
